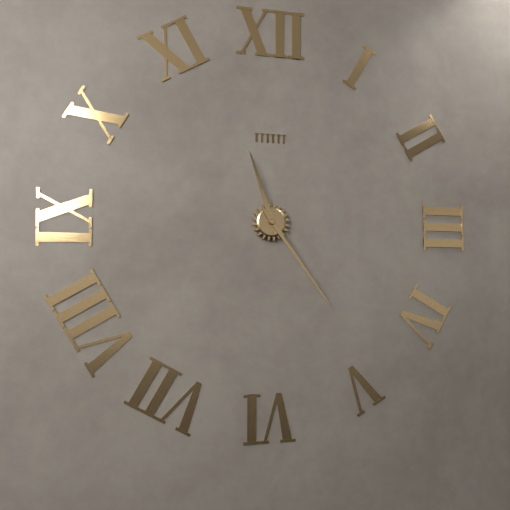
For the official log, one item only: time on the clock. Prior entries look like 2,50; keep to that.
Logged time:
11,24
